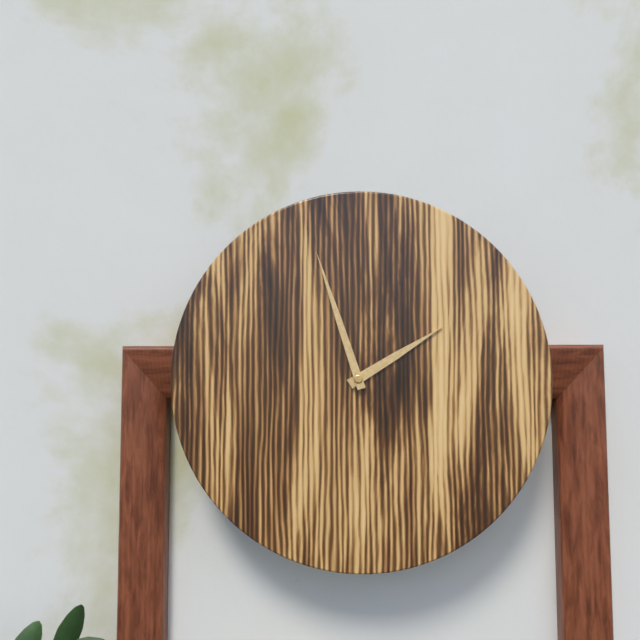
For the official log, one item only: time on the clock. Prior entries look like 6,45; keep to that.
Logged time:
1,57
